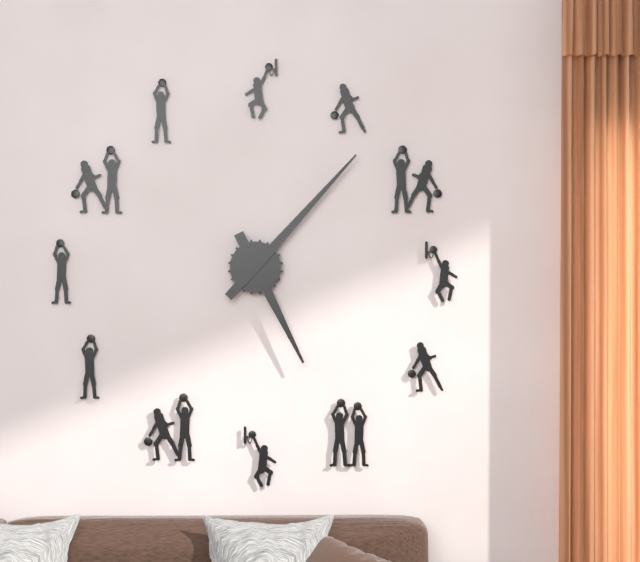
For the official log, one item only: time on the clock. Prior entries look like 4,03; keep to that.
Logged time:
5,07
